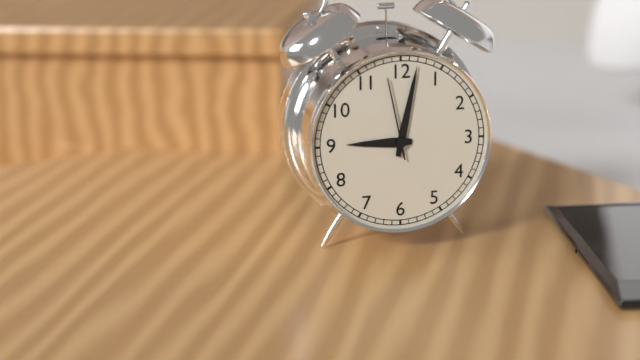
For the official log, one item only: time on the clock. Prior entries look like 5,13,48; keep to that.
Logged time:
9,02,58
